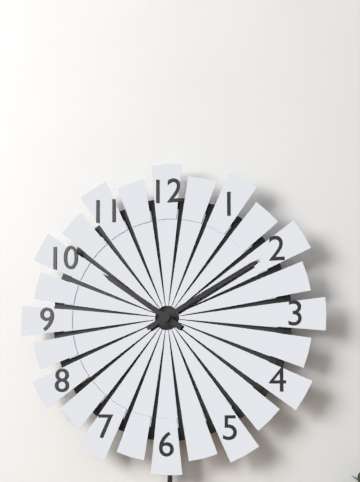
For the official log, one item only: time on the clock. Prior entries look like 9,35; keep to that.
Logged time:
10,10
